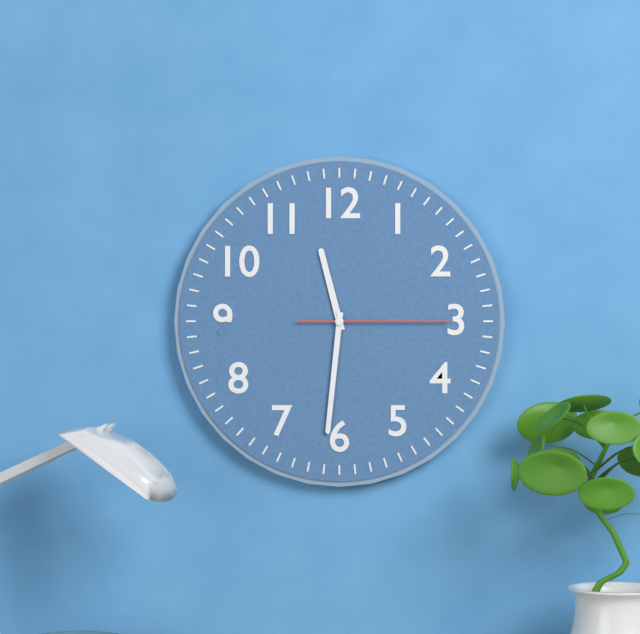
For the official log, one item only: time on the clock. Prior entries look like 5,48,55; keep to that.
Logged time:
11,31,15
